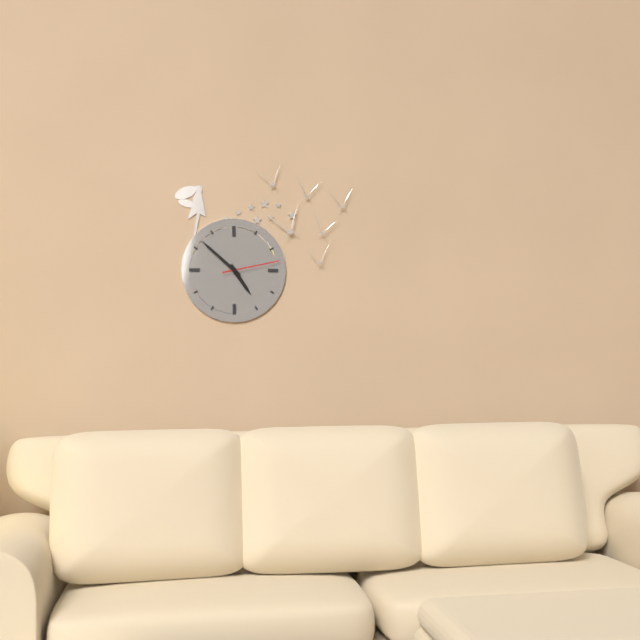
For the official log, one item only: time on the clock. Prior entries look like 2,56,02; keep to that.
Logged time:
4,52,13
